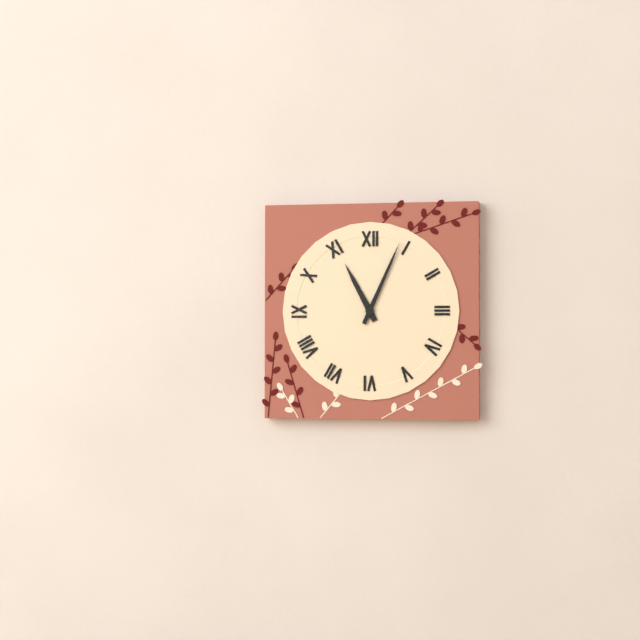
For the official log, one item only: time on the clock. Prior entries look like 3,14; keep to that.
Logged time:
11,04
